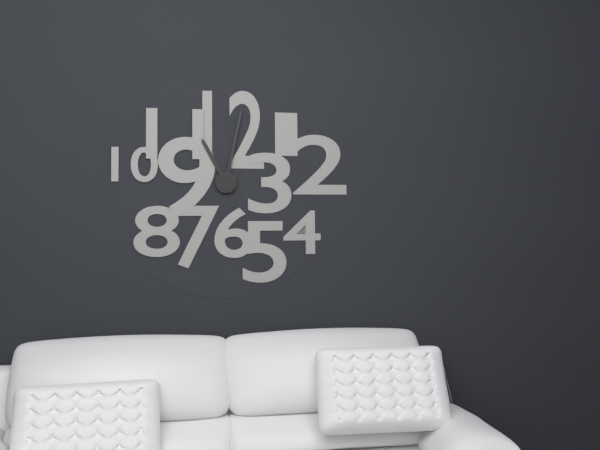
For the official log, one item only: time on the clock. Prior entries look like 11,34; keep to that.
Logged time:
11,02
